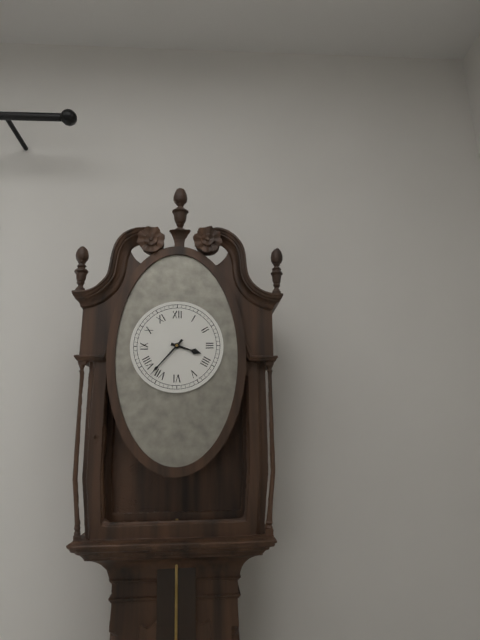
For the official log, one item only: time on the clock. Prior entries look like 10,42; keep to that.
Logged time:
3,37
